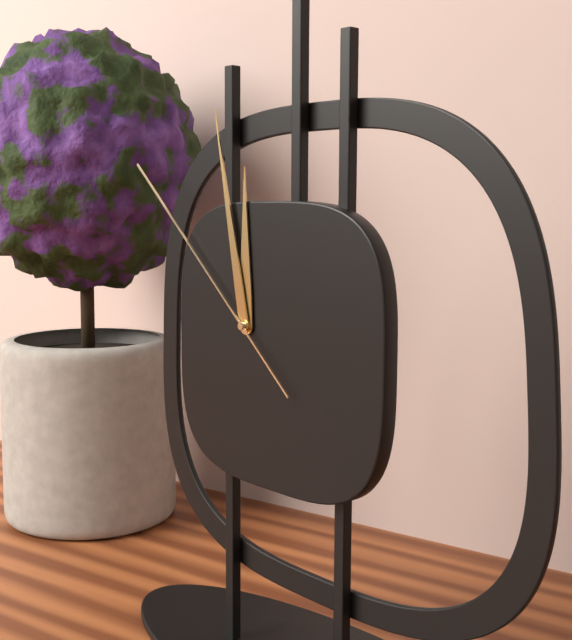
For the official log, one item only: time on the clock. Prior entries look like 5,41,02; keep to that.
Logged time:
11,58,52
